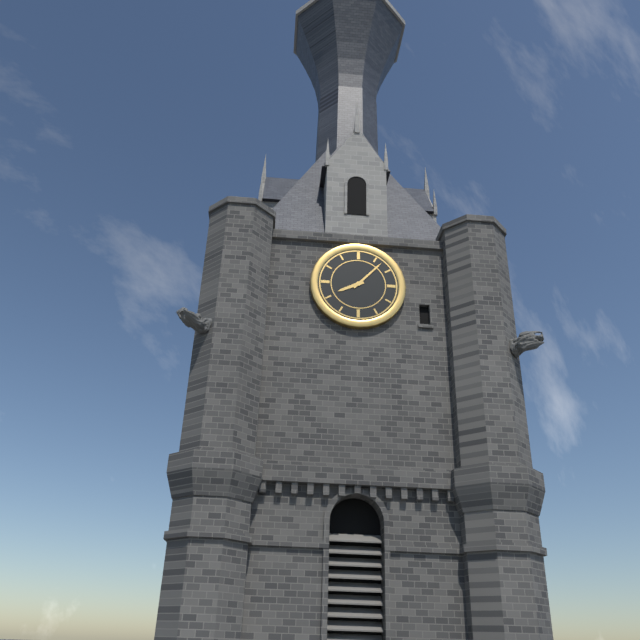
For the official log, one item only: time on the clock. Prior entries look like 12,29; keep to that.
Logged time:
8,07
